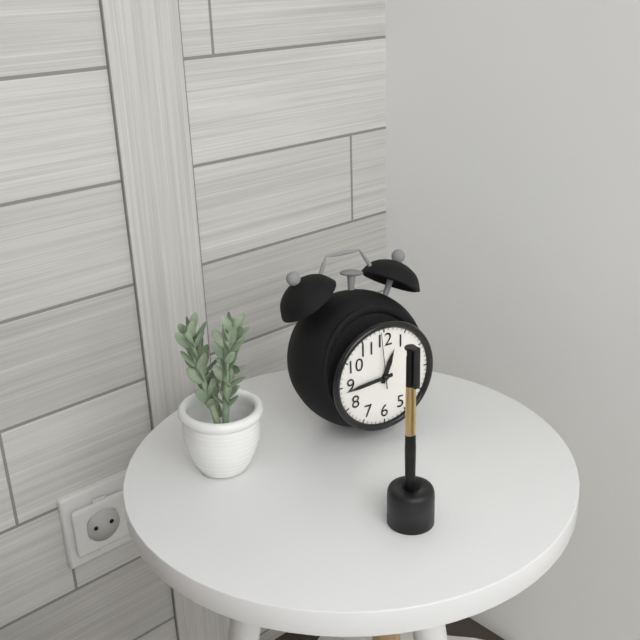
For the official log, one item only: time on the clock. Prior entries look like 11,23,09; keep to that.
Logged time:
12,44,59
